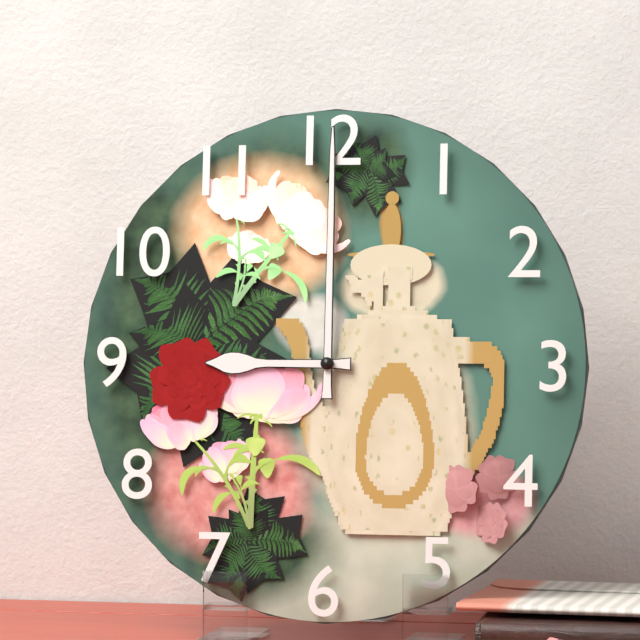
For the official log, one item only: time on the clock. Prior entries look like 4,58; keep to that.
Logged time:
9,00
